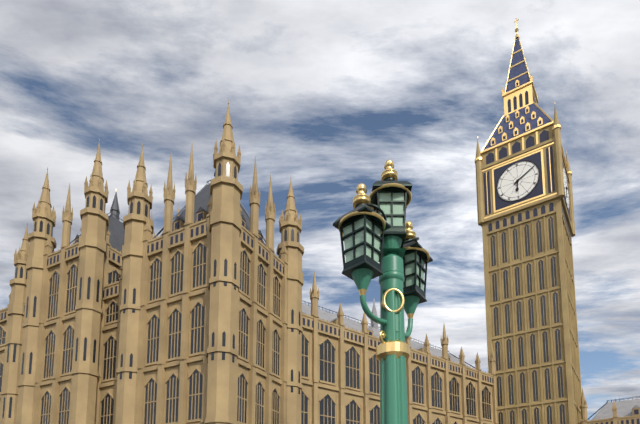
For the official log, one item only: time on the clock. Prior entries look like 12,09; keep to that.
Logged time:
6,10
